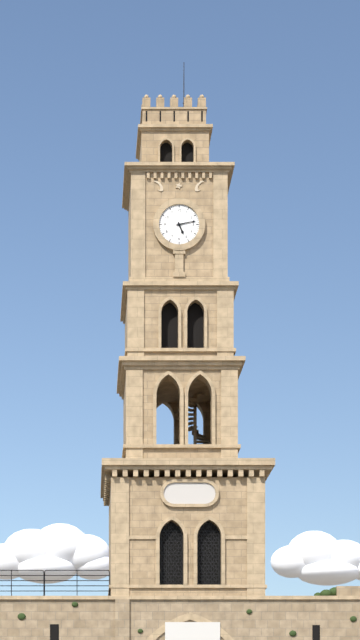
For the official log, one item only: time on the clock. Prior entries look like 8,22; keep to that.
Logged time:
5,13
